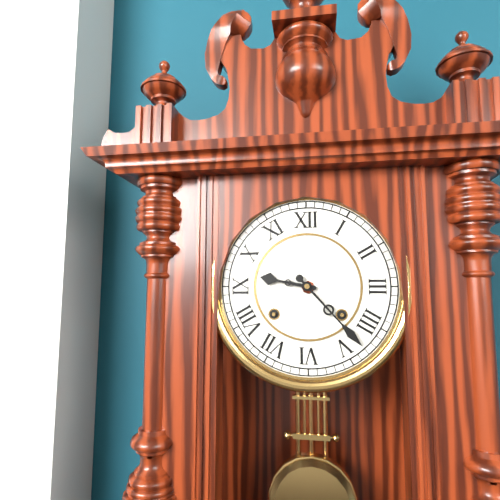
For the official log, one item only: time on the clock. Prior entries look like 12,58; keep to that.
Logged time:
9,23
